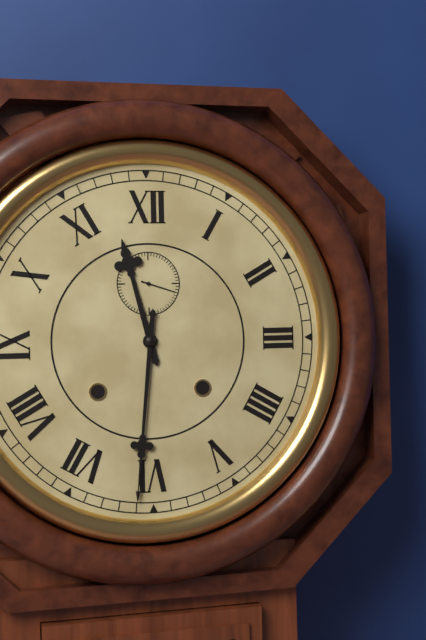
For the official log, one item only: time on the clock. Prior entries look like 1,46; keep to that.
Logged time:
11,31
